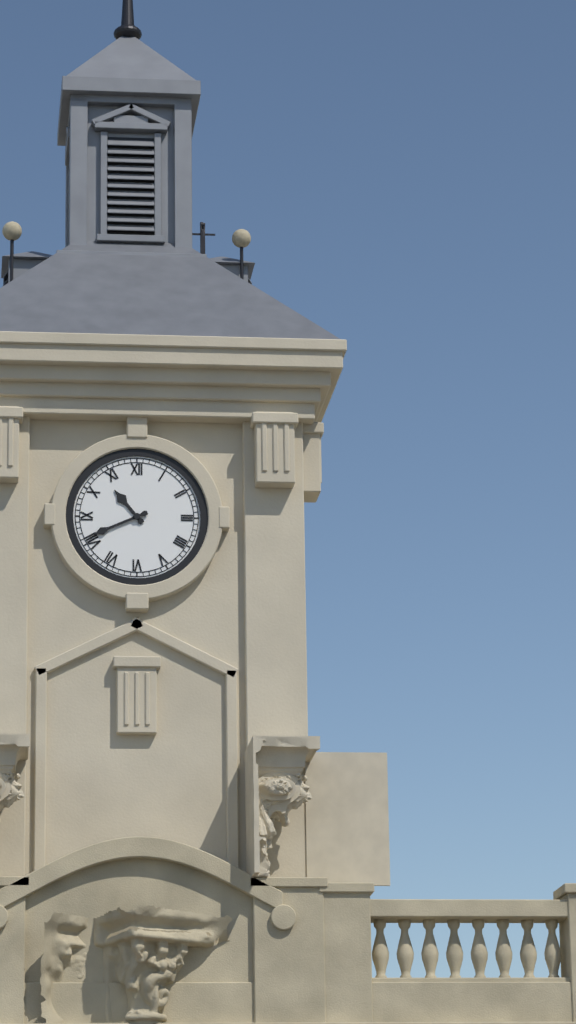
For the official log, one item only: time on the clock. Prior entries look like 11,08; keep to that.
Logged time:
10,41
